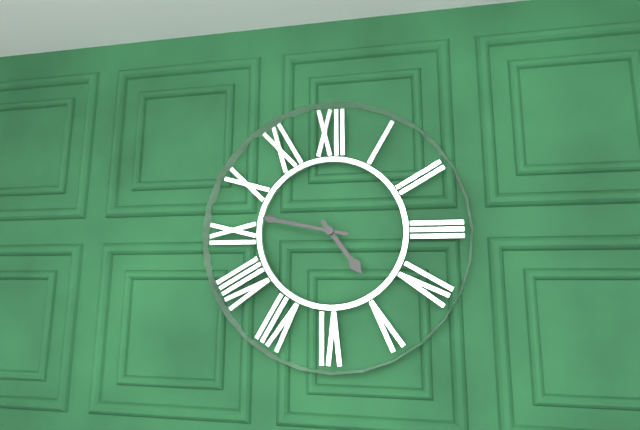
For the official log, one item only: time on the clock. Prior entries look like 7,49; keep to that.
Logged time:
4,47
